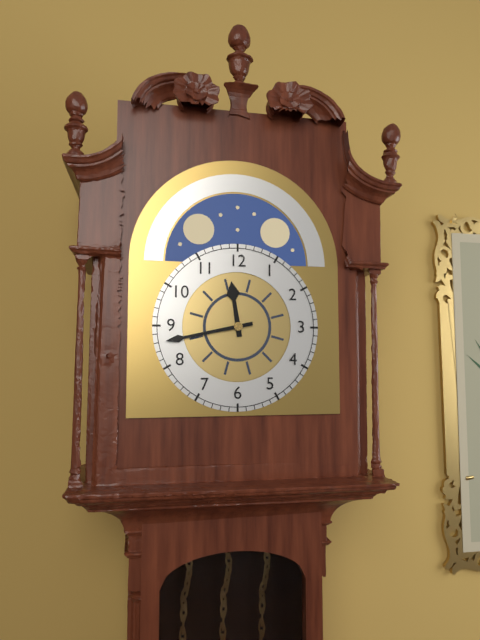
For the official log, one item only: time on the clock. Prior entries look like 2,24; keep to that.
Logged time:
11,43
